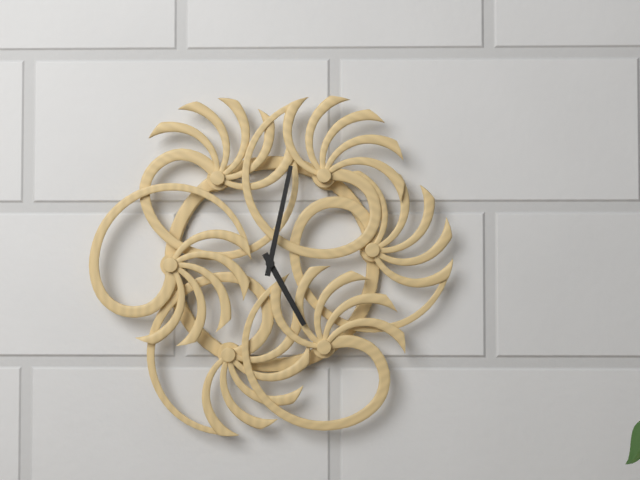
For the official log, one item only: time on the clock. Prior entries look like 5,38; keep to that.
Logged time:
5,02
